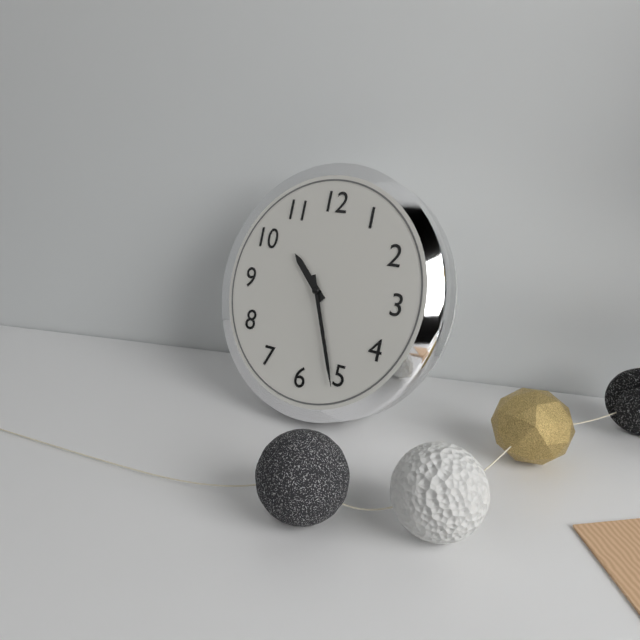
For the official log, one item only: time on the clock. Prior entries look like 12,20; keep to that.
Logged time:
10,26
